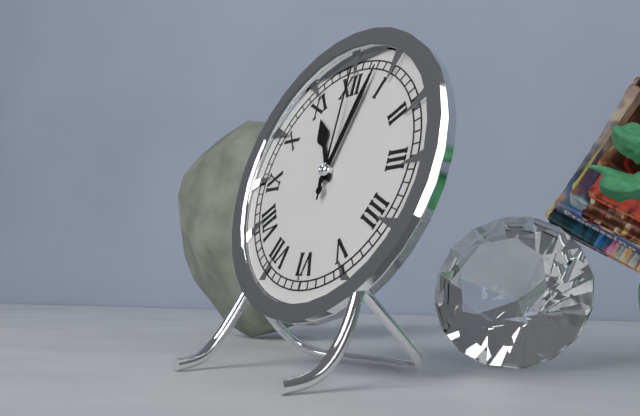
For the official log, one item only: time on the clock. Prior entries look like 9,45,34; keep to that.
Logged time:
11,03,00
